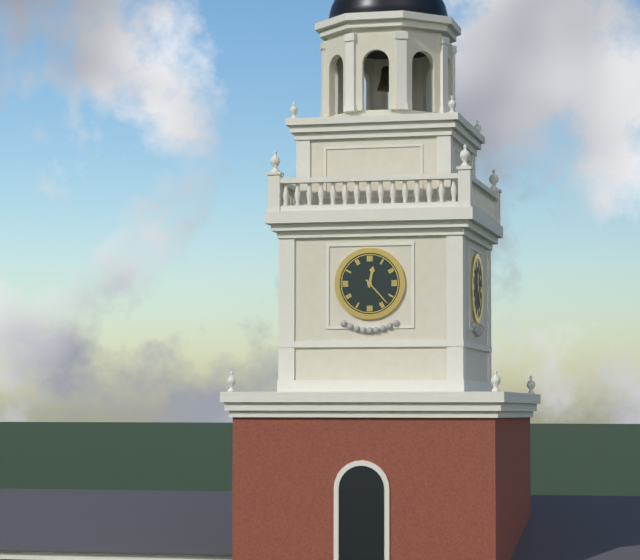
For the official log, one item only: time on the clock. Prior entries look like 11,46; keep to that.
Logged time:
12,23
